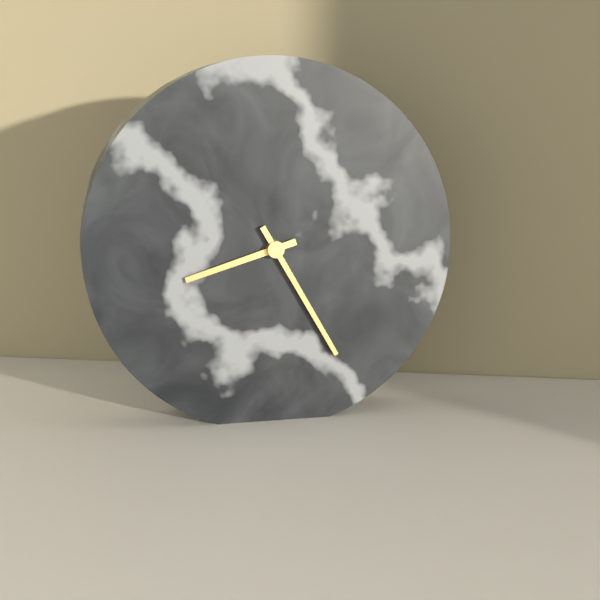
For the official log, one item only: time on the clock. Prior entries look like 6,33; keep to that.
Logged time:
8,25
